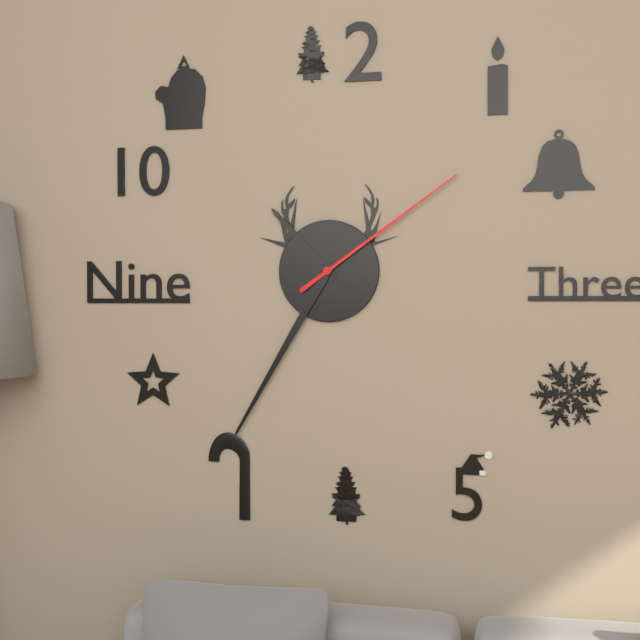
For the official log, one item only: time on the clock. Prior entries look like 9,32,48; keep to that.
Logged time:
10,35,09
